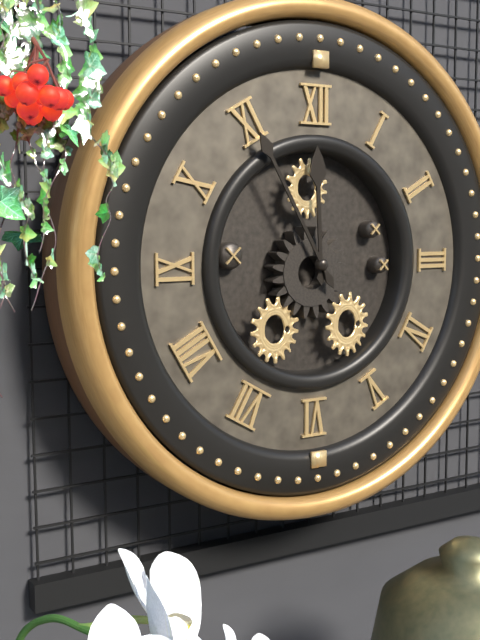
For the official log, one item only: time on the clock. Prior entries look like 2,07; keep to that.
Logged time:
11,55
